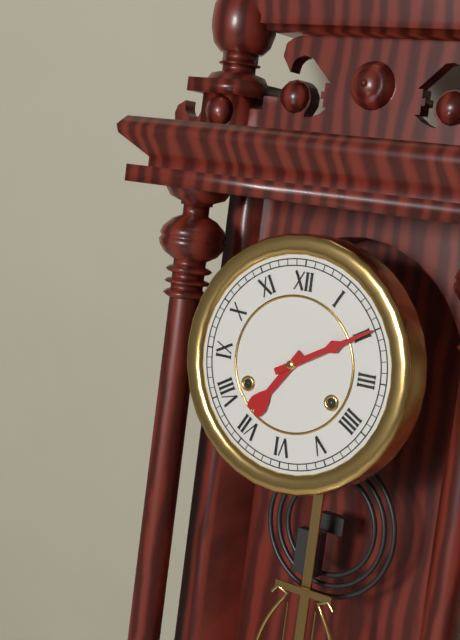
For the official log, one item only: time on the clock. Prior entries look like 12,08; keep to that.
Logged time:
7,10
